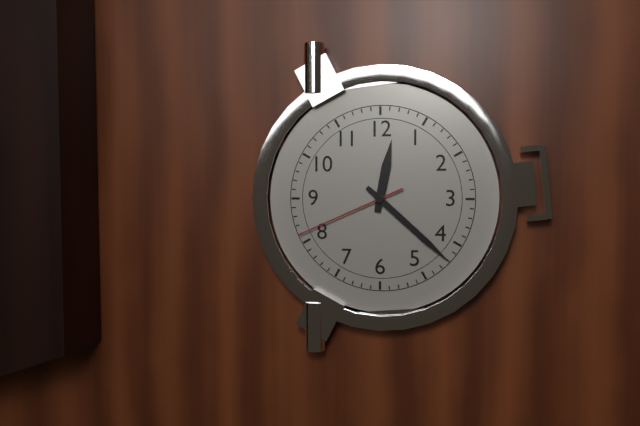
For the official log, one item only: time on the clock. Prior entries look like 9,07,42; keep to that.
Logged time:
12,22,41
